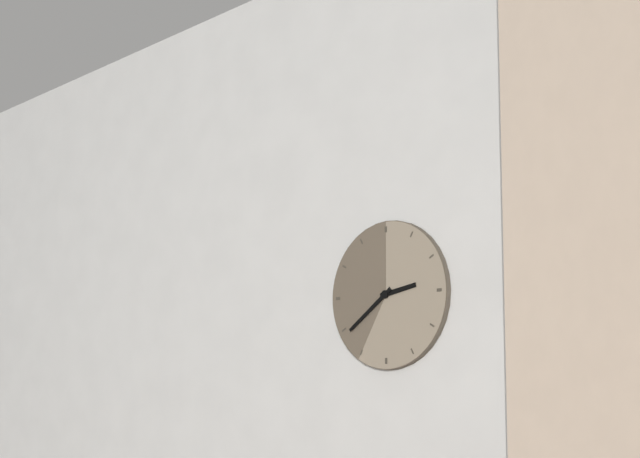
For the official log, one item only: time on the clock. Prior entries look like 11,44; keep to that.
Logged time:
2,39
